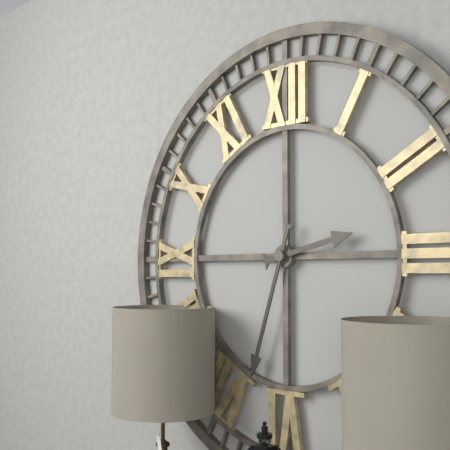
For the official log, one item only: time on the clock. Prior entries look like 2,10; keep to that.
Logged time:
2,33
